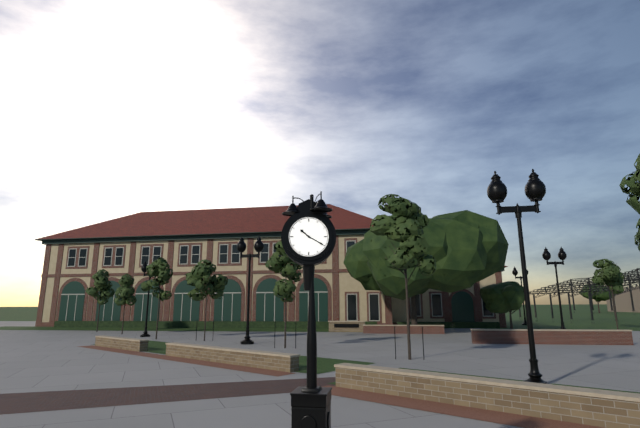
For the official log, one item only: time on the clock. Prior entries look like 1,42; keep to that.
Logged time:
10,20
